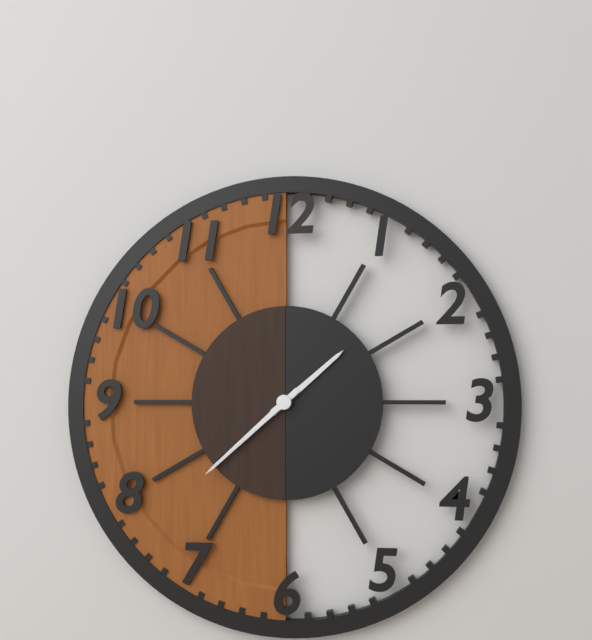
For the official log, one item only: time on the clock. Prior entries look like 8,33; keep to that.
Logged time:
1,38
